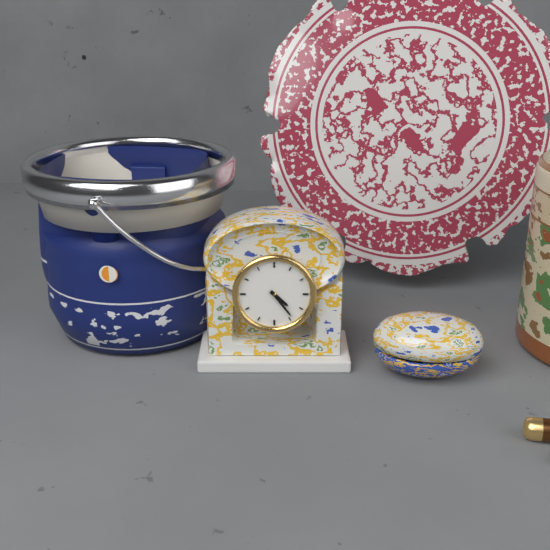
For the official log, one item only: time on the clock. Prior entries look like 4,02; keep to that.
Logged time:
4,24
